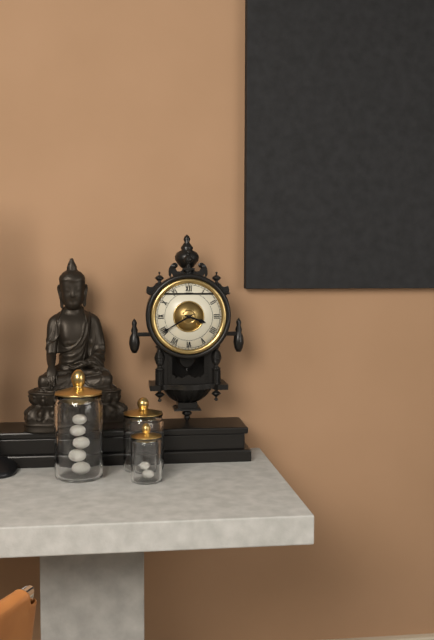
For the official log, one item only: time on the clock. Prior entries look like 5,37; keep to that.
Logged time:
3,40
